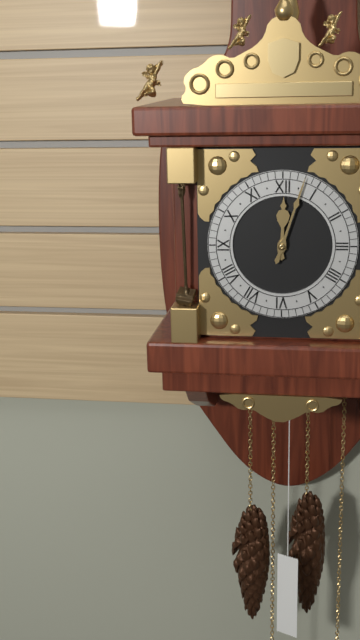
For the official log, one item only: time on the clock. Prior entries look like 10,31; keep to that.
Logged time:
12,03
